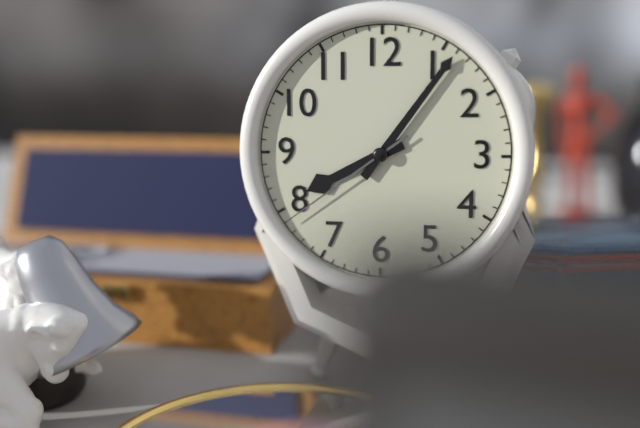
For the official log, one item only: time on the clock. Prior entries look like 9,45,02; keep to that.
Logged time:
8,06,39
